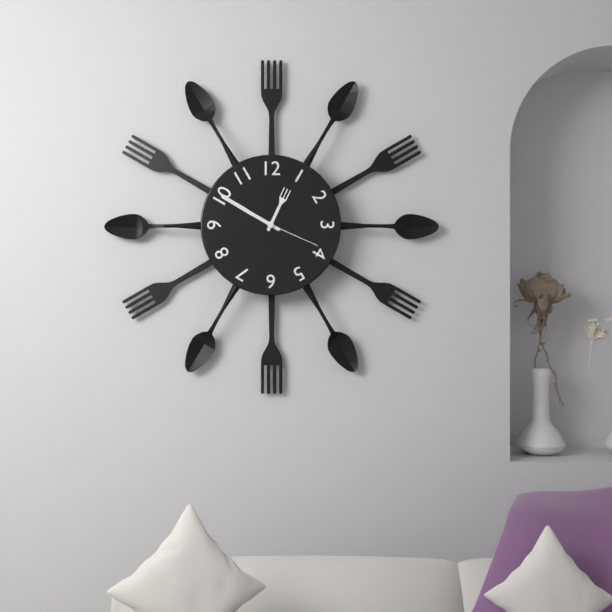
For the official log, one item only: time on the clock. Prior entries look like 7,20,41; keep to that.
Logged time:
12,50,19
